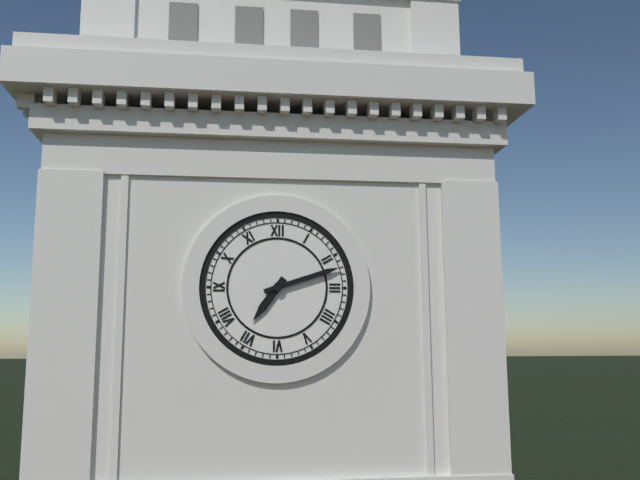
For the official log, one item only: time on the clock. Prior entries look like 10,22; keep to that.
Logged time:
7,12
